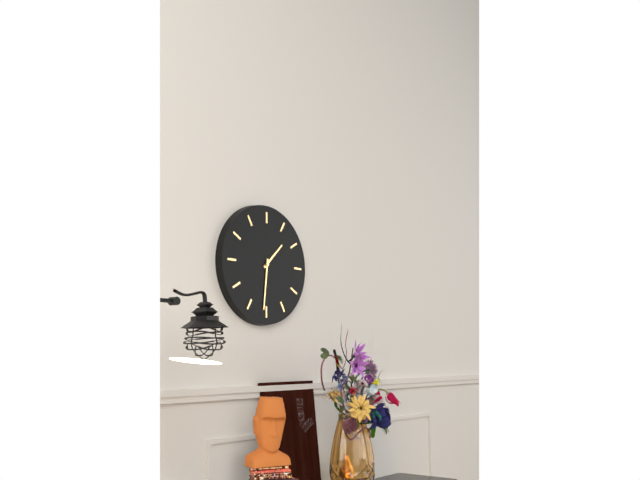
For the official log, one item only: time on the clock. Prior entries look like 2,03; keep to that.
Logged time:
1,31
